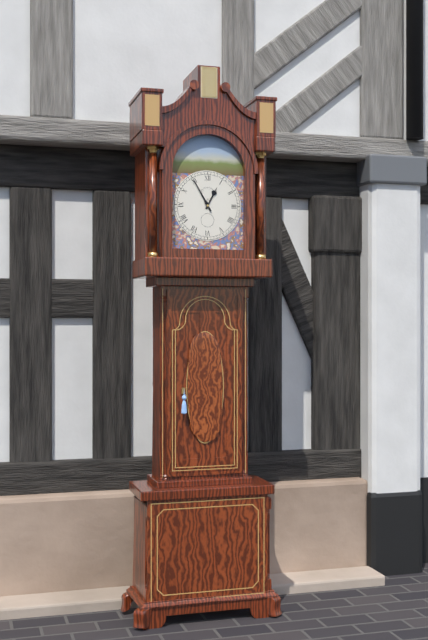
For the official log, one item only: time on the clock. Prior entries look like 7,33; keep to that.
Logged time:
12,55
